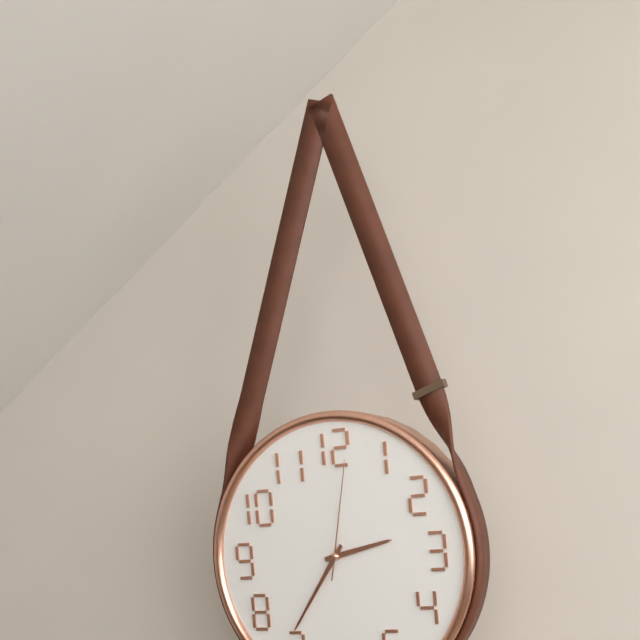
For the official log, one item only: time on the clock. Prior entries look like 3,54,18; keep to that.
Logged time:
2,36,02
